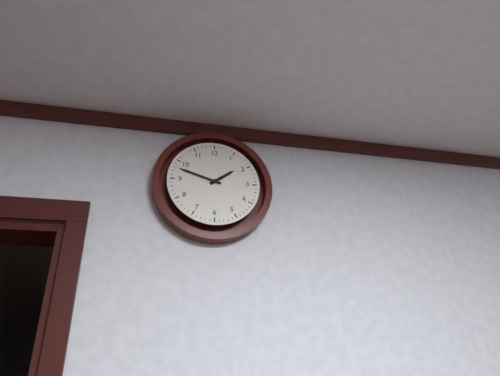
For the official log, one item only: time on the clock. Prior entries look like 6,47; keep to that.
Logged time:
1,48
